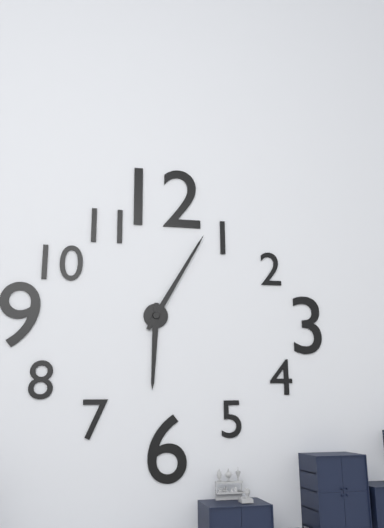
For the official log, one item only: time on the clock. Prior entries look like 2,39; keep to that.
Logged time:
6,05
